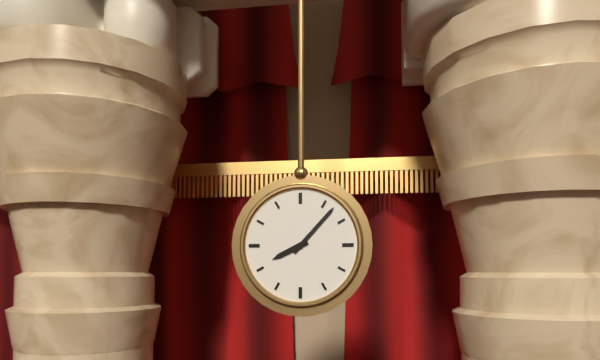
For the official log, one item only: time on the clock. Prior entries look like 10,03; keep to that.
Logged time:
8,07
